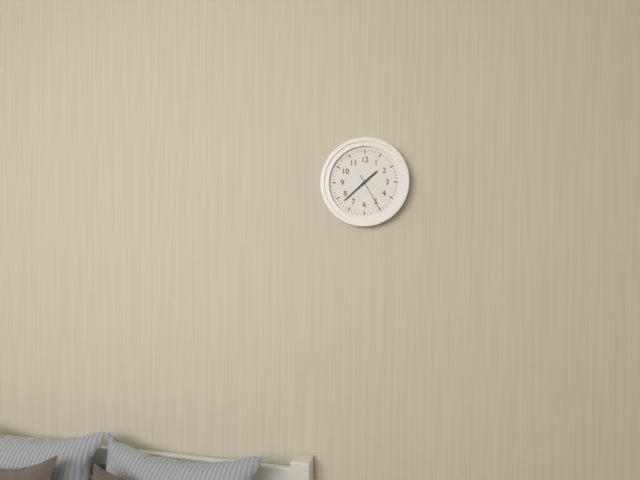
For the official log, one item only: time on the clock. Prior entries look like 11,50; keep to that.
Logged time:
1,38
